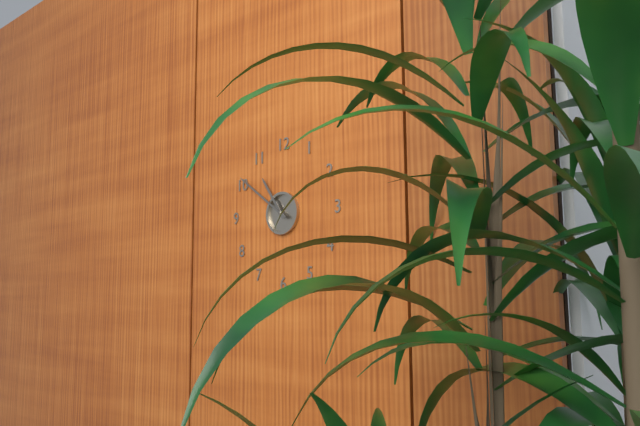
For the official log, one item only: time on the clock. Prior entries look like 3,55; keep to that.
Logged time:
10,51
